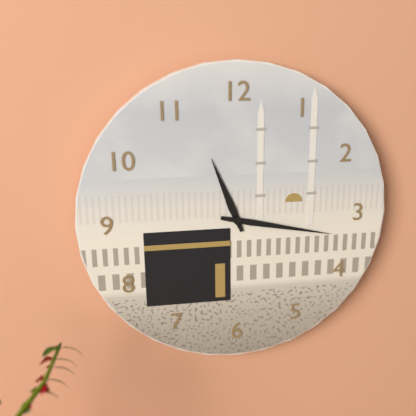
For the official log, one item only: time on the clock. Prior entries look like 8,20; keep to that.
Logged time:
11,17
